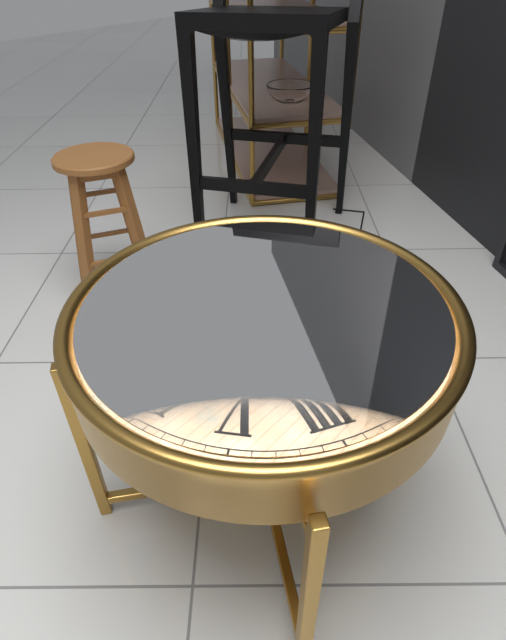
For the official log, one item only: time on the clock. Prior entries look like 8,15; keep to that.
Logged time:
6,16
